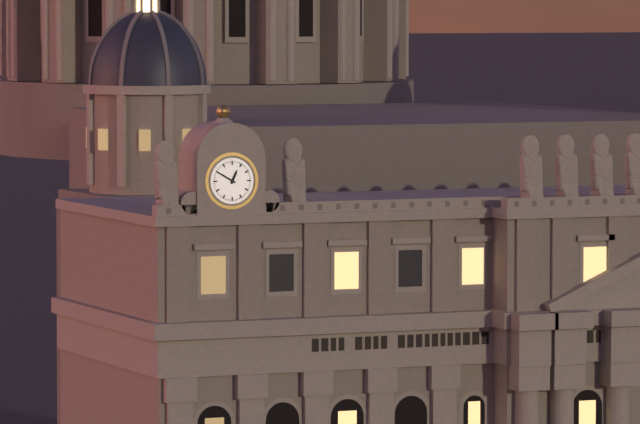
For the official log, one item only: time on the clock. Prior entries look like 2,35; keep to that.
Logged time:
12,50
